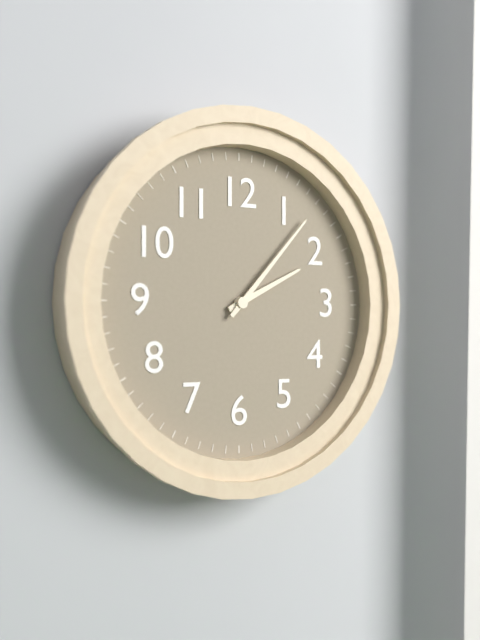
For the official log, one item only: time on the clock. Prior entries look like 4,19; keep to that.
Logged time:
2,07
